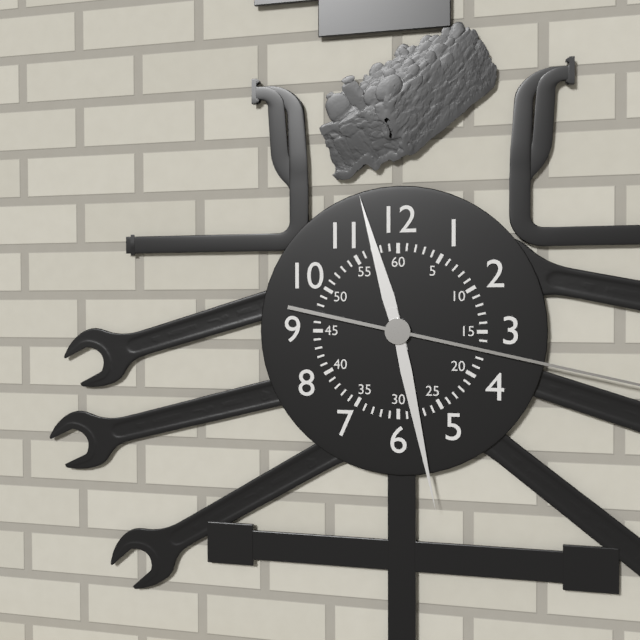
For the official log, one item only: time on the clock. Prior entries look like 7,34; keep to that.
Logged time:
11,28
